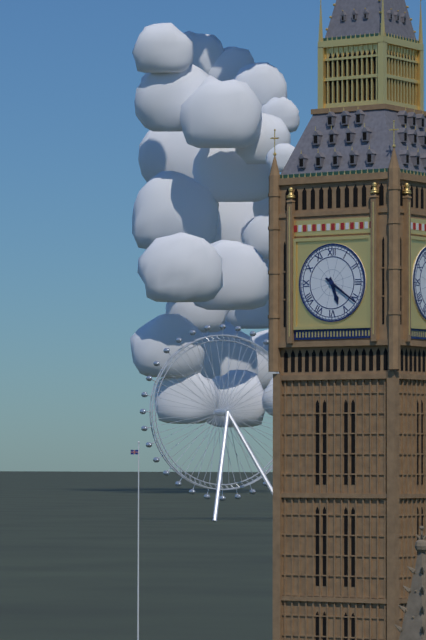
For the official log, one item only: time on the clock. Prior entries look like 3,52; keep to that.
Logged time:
5,21
